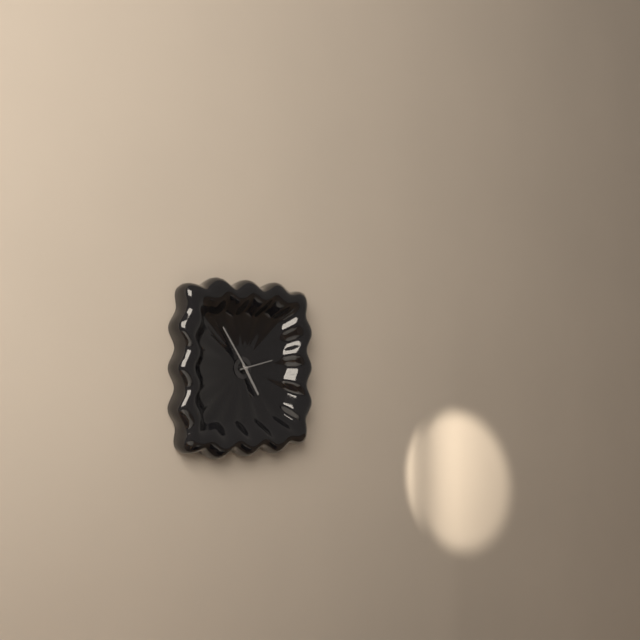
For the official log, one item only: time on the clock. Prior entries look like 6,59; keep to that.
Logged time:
4,54
